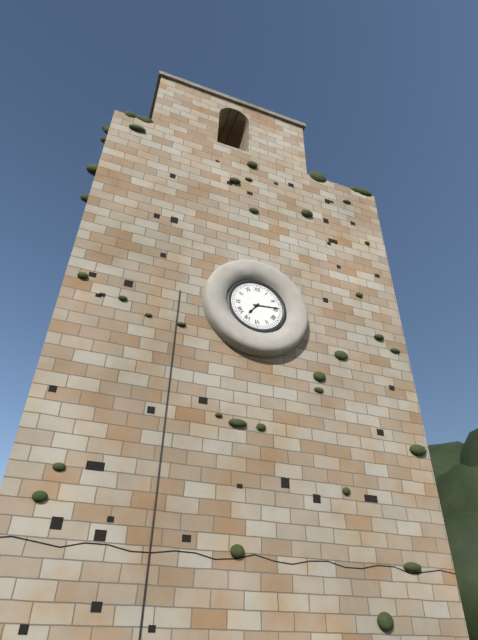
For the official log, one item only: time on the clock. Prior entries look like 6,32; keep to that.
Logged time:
7,14
